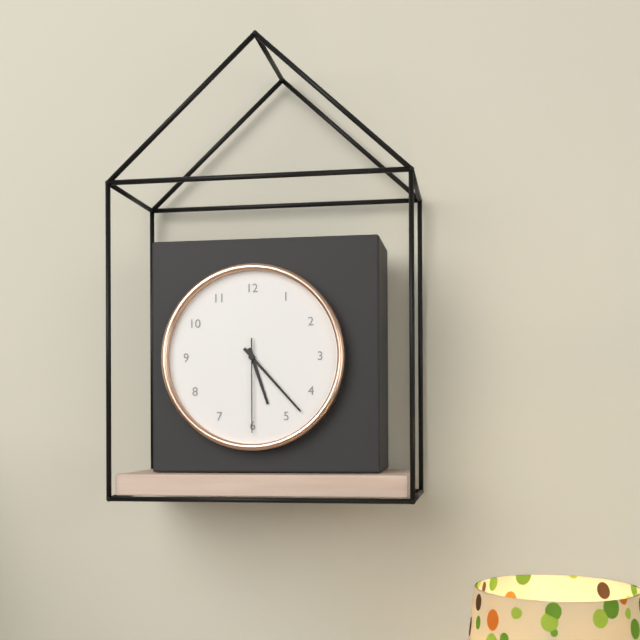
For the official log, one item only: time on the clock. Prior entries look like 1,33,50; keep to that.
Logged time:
5,23,30
